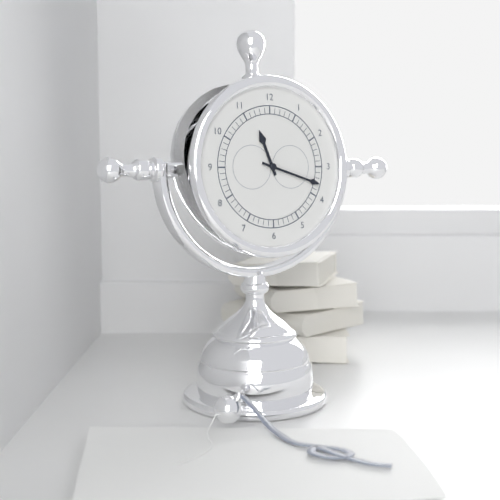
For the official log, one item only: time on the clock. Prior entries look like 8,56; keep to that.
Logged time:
11,18
